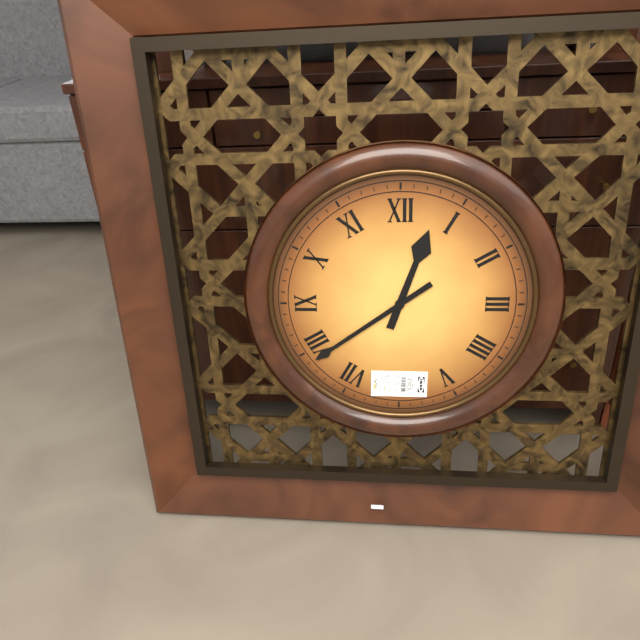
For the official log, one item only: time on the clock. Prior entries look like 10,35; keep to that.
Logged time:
12,39
